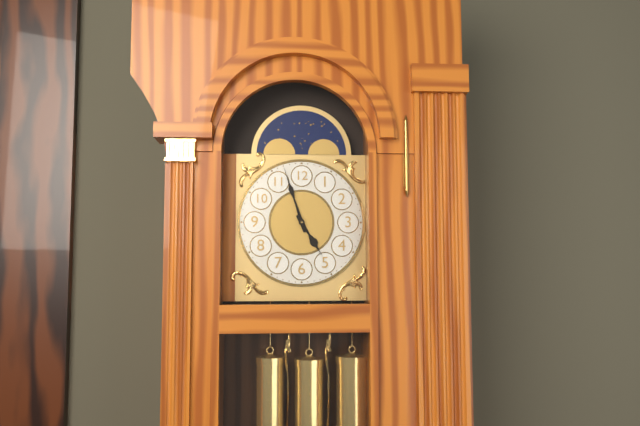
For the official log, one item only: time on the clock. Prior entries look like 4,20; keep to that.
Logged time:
4,57
